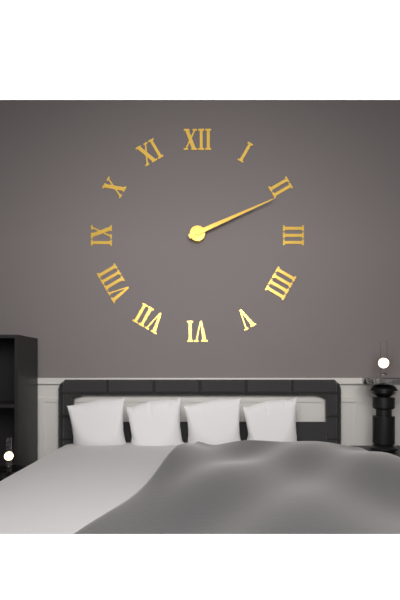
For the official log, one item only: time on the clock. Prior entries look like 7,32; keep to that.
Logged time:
2,11
